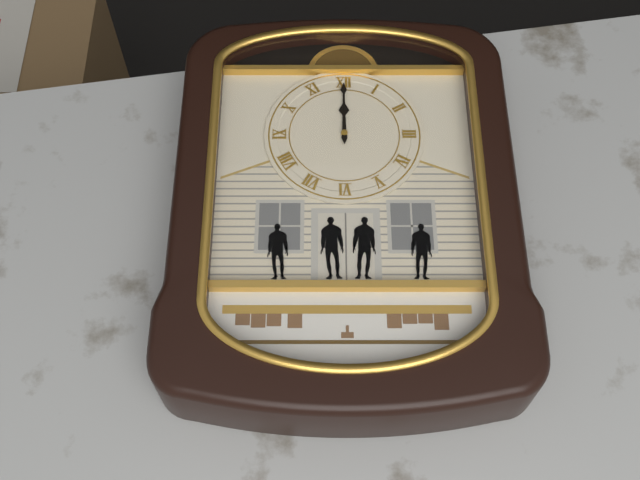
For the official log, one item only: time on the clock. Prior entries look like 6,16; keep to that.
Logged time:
12,00
